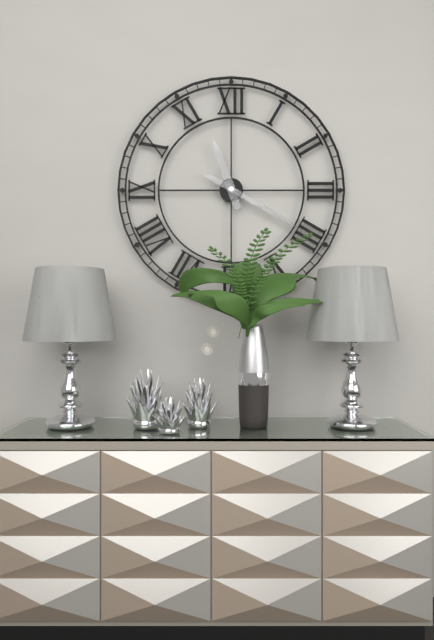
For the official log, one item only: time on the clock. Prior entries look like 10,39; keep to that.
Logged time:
11,20
